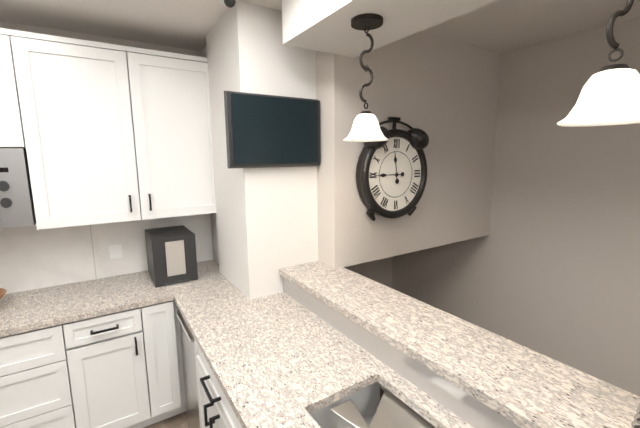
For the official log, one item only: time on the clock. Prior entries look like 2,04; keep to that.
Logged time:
11,45
